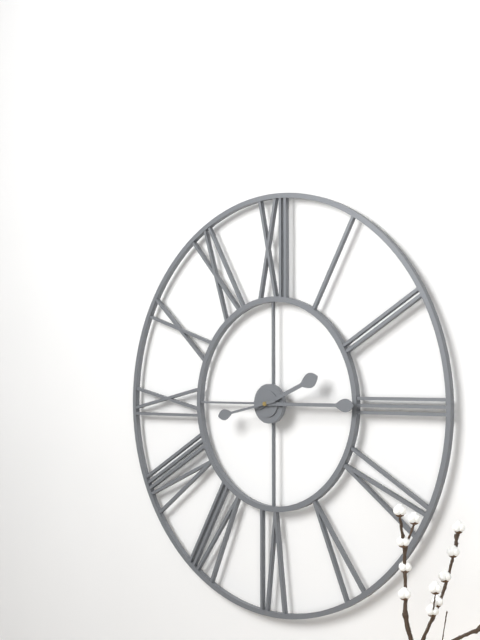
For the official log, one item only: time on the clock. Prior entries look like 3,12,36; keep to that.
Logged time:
2,15,43
